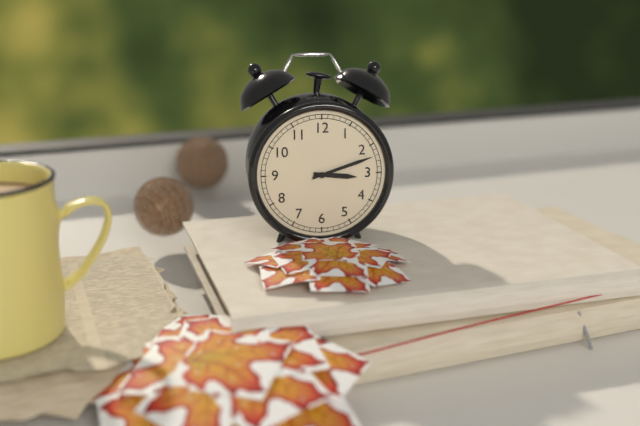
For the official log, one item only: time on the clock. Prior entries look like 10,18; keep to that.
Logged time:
3,12
